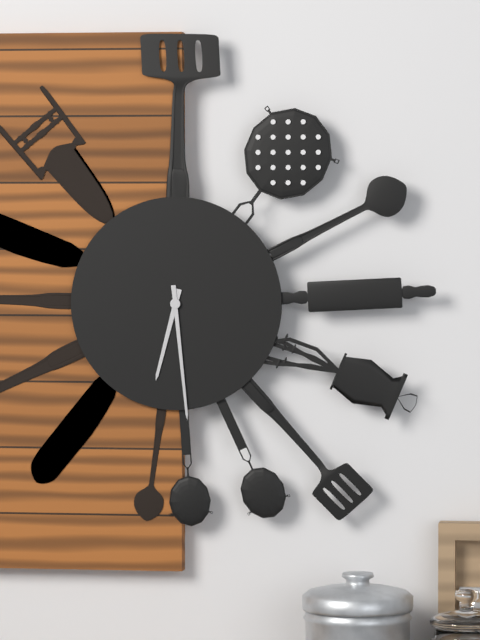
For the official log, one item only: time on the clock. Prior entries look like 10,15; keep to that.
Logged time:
6,29
